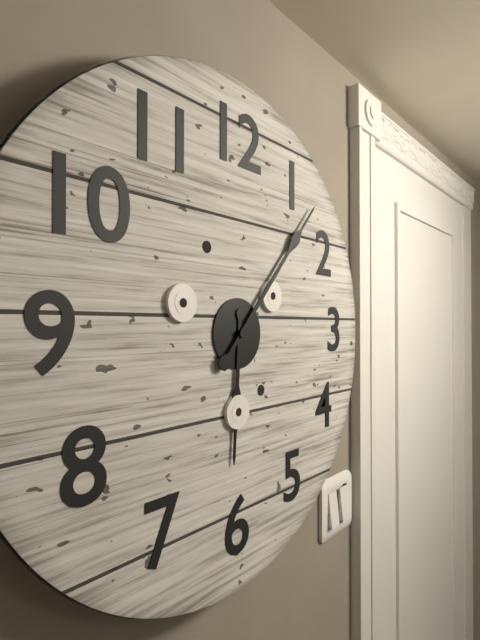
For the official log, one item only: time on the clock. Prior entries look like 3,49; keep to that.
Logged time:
6,07
